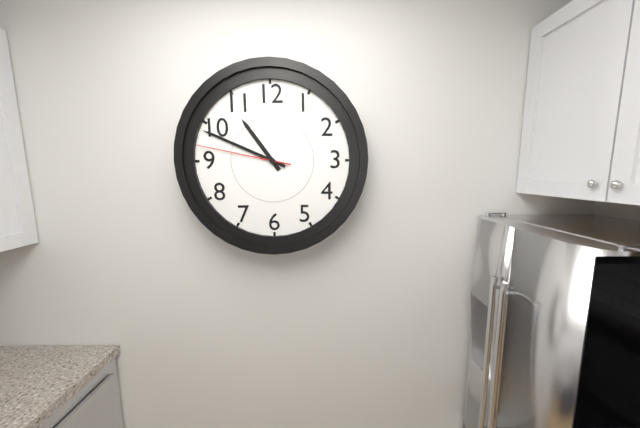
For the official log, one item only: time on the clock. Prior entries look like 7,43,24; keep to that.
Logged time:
10,49,47
